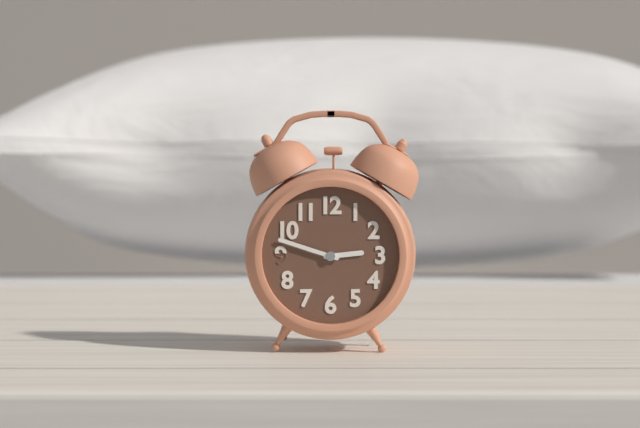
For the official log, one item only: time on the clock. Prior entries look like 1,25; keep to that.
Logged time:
2,48
